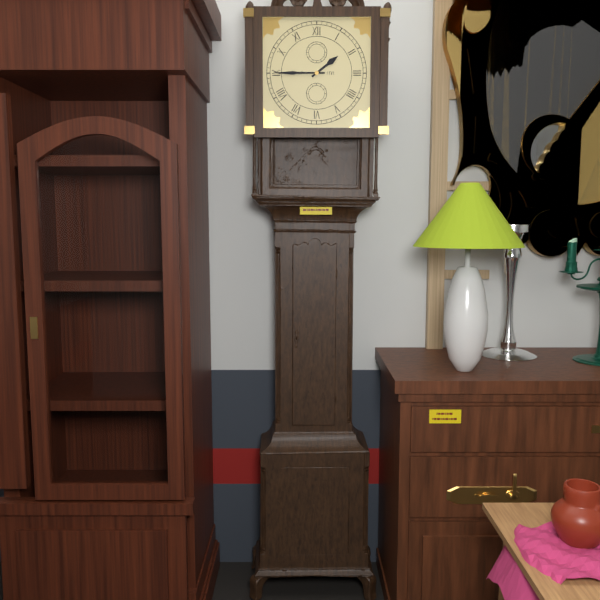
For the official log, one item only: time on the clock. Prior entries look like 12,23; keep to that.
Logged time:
1,45
